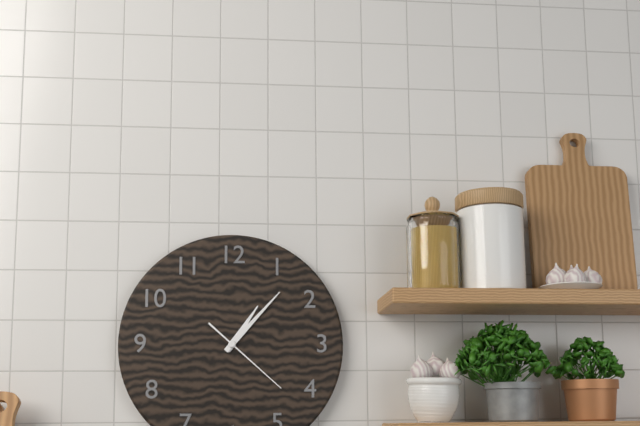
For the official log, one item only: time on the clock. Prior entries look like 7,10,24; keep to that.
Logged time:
1,07,22
